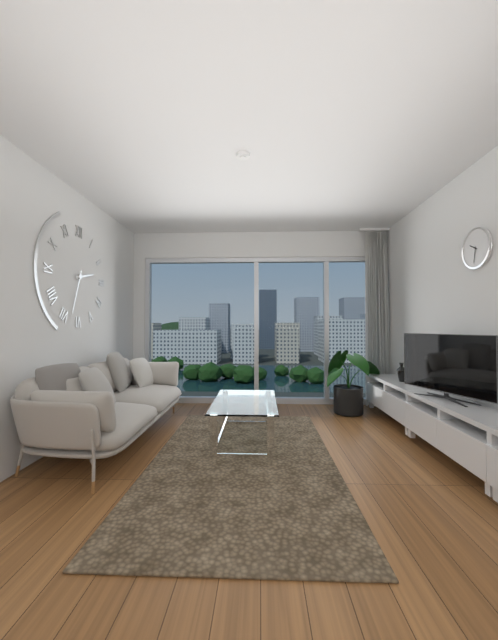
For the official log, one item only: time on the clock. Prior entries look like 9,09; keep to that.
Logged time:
2,33
